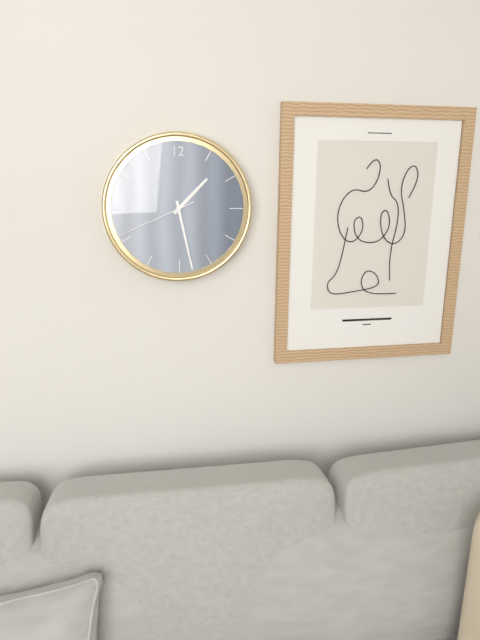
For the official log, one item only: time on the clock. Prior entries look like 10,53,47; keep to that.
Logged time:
1,28,41
